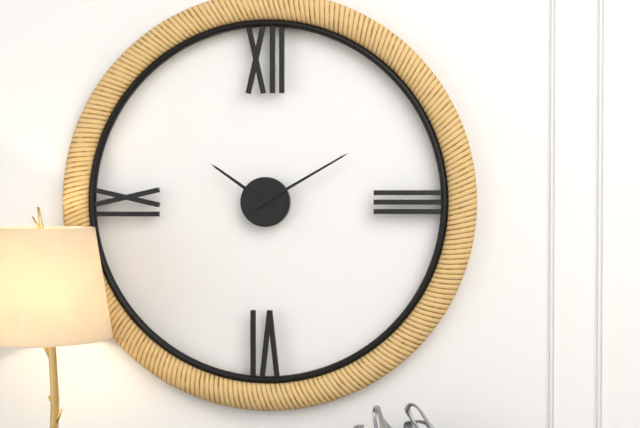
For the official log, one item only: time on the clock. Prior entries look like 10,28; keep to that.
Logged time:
10,10
